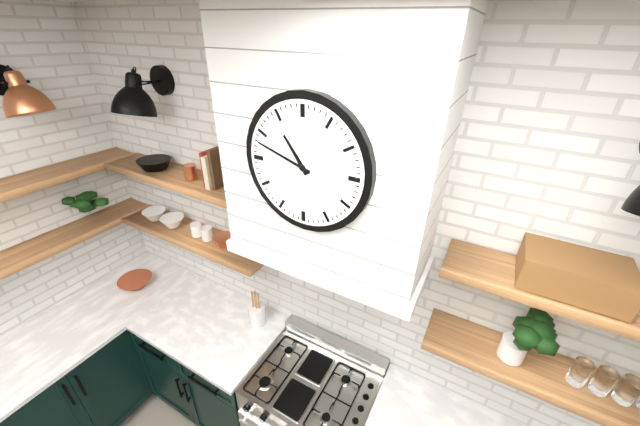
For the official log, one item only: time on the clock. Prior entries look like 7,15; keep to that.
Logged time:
10,48
